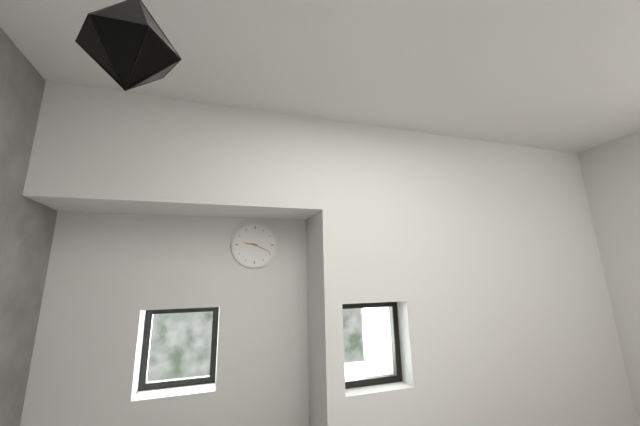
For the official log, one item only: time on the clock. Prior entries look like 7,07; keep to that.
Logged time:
9,19
